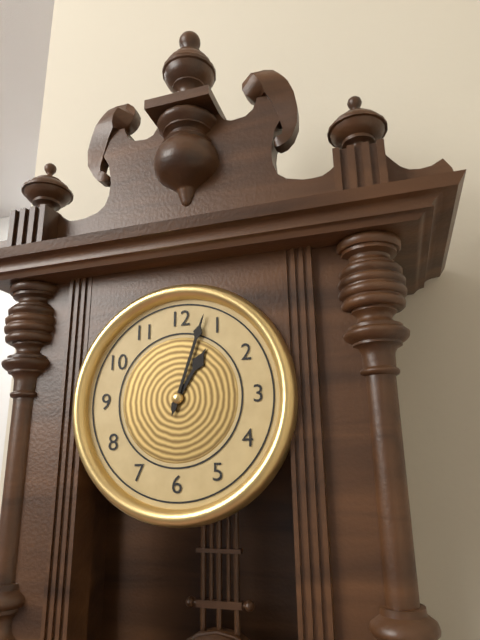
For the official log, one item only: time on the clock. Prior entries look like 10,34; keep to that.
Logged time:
1,03
